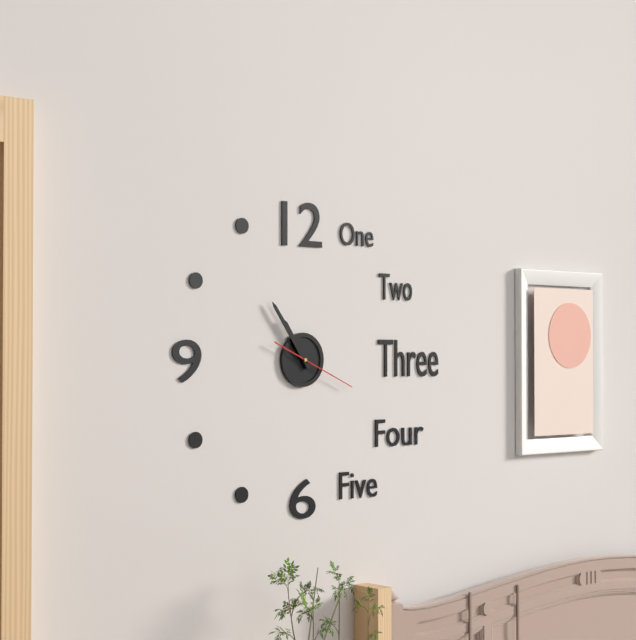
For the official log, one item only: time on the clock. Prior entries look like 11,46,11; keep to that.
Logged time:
10,54,19
